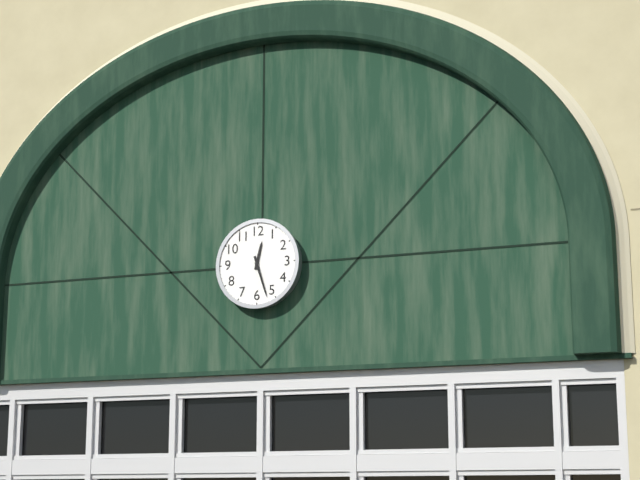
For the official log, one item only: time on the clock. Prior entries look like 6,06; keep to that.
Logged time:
12,27
